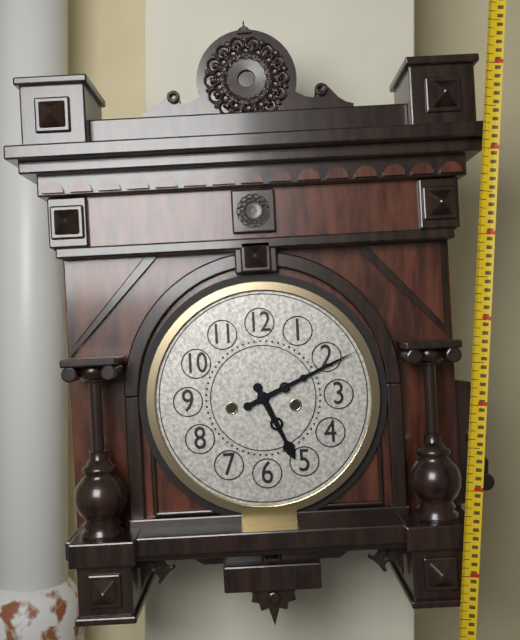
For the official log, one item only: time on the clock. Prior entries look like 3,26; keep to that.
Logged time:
5,11
